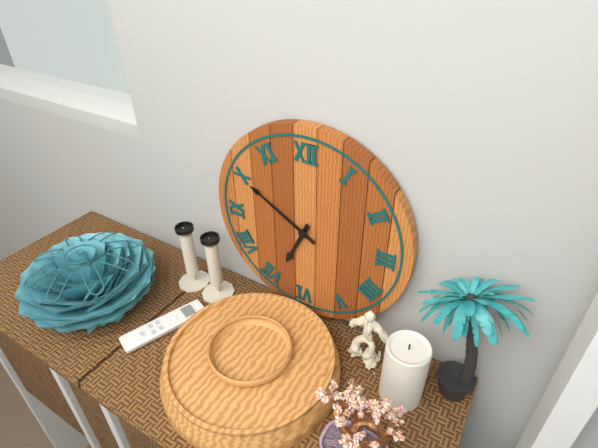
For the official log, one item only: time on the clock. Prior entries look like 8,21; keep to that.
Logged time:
6,50
